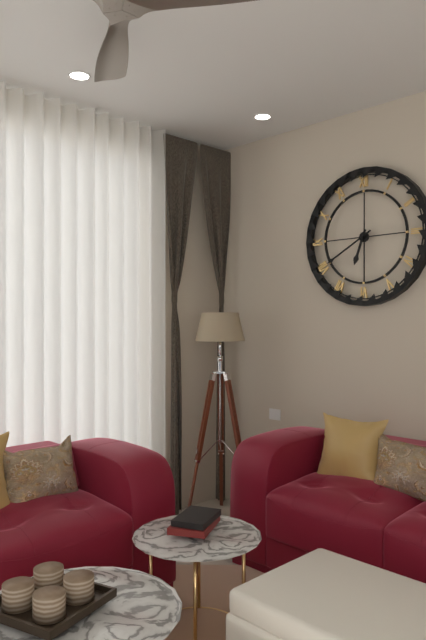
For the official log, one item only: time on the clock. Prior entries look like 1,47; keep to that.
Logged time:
6,40
